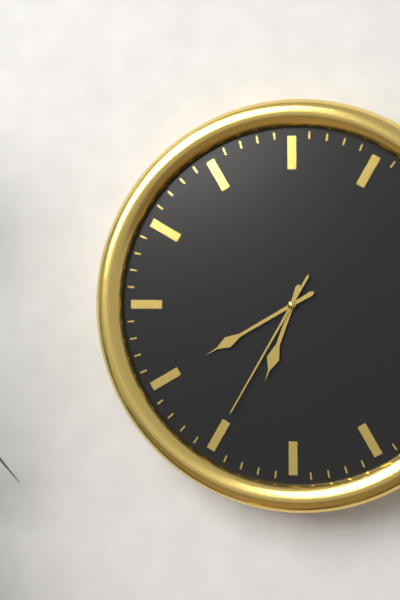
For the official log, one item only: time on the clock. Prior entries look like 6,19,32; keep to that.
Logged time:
6,40,35
